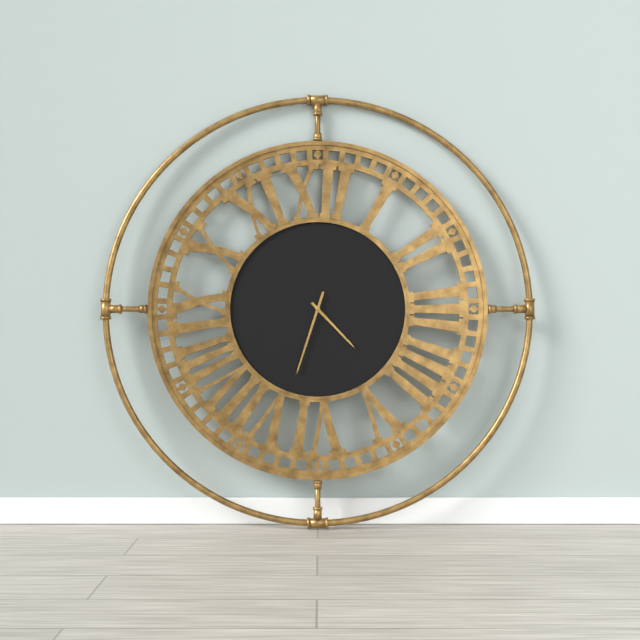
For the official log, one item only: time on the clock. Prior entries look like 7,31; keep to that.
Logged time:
4,33
